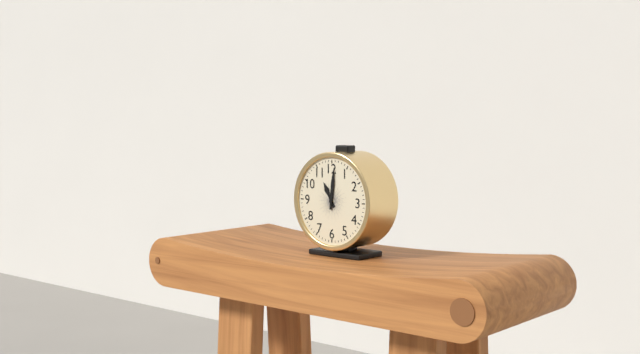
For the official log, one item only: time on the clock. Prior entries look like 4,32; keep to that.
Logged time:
11,01
